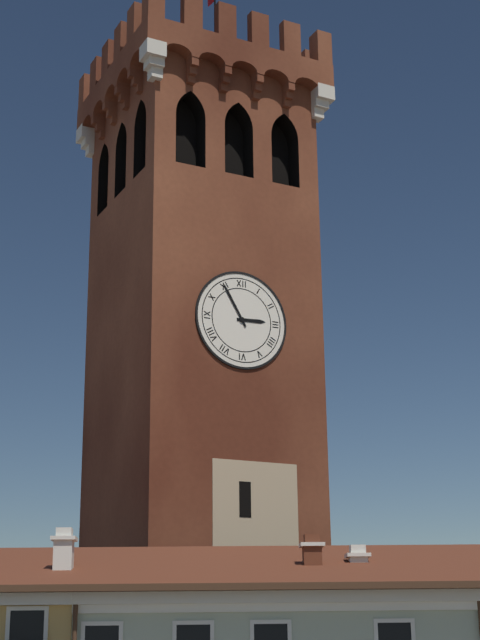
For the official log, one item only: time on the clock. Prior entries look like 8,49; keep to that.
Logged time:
2,55
